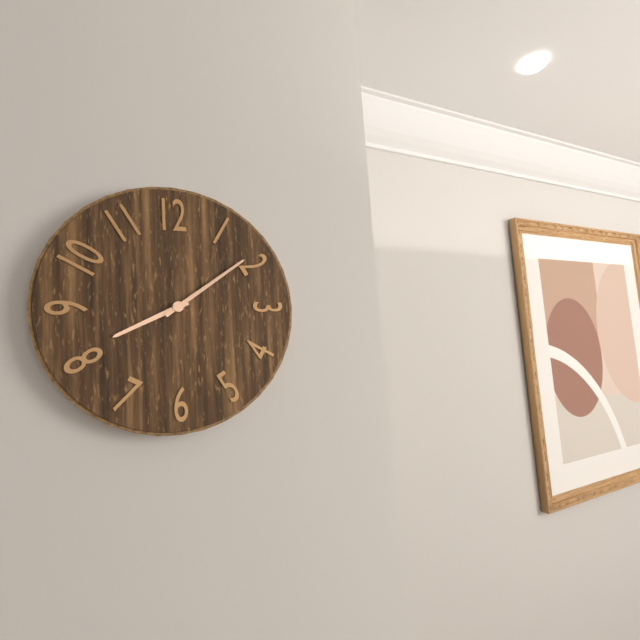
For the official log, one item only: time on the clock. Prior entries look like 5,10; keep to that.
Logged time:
8,09
